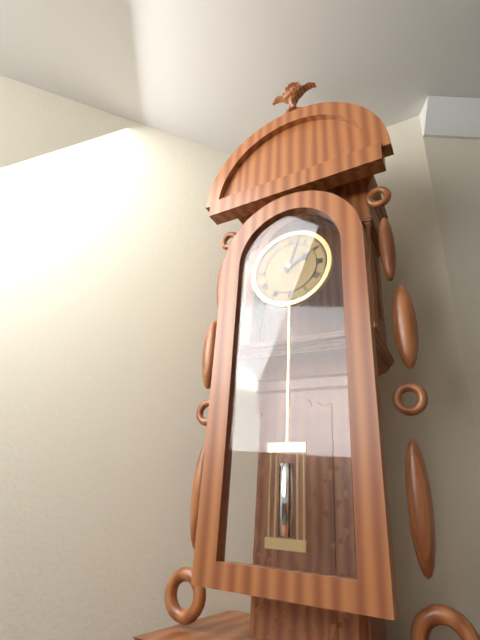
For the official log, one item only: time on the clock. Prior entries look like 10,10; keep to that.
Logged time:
2,03
